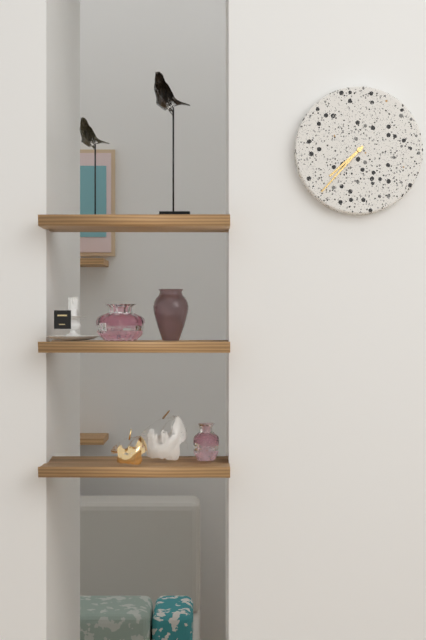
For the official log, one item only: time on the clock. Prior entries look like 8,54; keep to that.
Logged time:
7,37
